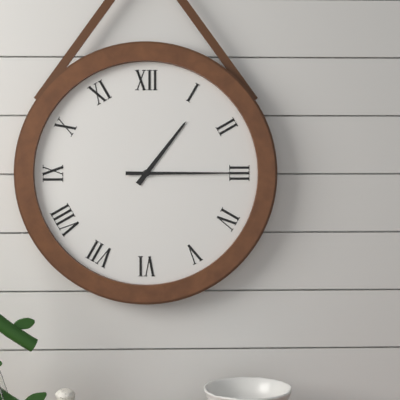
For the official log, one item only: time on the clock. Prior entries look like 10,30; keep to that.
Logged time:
1,15
